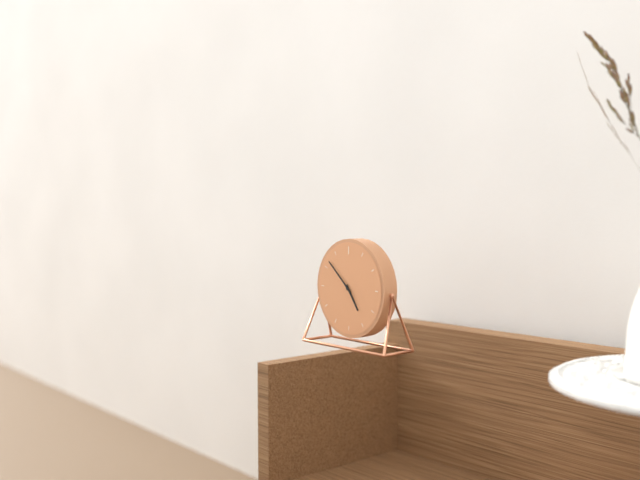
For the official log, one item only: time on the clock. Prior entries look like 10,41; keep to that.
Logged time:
4,52
